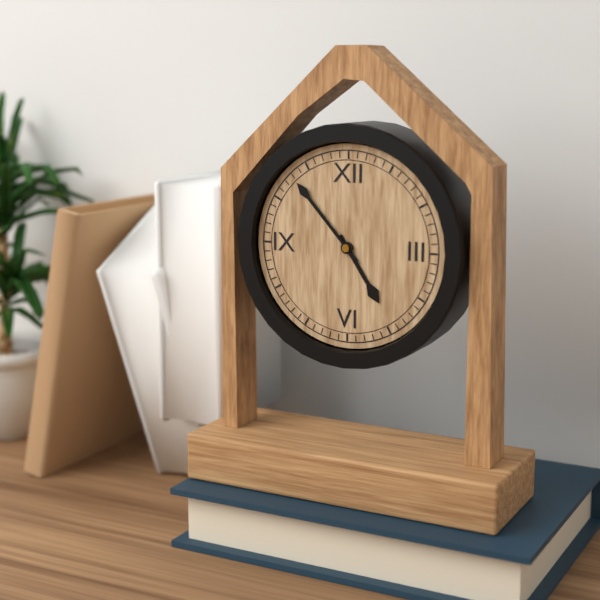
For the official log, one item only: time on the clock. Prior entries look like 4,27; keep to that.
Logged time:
4,53
